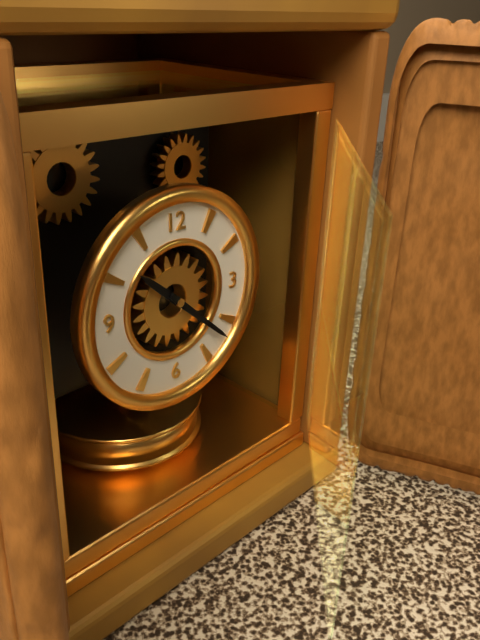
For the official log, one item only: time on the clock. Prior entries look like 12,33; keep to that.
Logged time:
10,22
